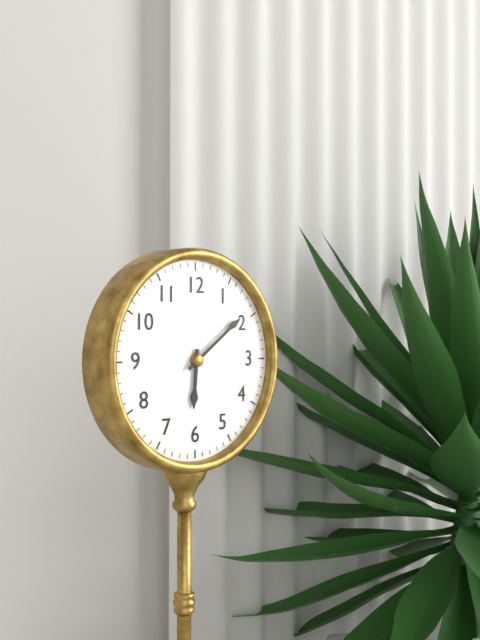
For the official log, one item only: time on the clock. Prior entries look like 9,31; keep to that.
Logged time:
6,09
